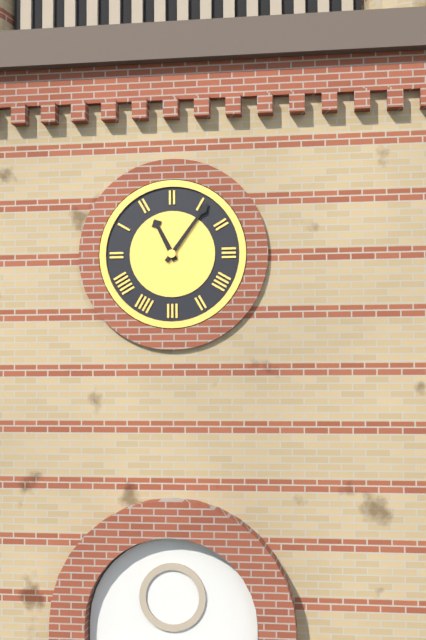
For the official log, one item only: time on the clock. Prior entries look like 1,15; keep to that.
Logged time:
11,06
